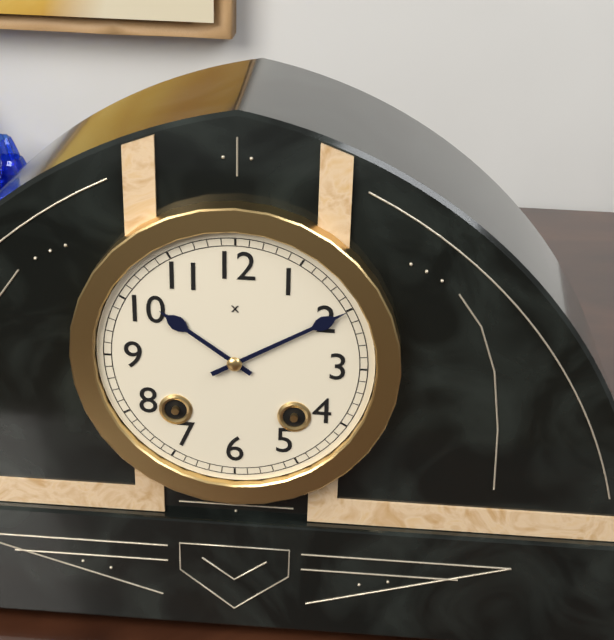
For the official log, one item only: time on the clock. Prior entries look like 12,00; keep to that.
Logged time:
10,10
